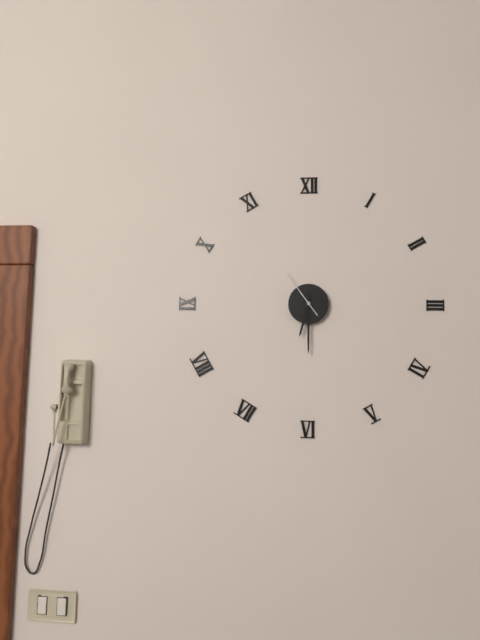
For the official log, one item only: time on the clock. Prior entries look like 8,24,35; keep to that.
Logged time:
6,30,54
